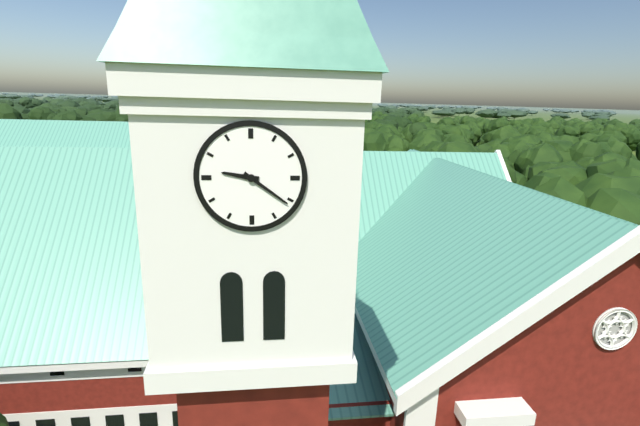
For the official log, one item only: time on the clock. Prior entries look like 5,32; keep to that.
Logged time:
9,21
